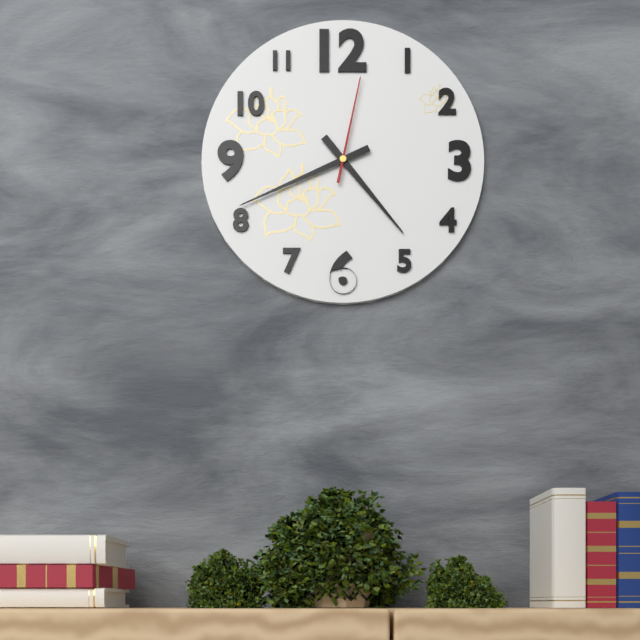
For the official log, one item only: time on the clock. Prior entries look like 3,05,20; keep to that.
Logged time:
4,41,02
